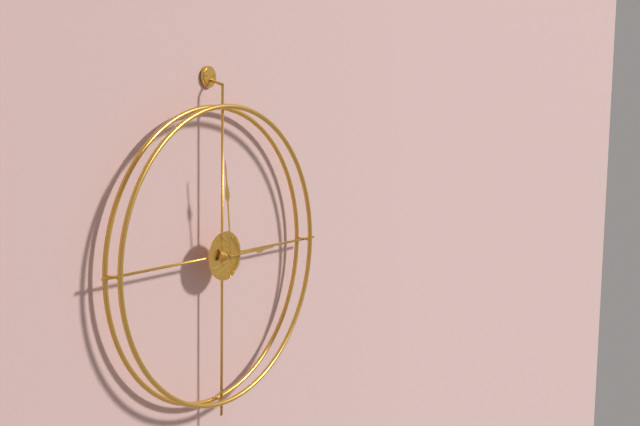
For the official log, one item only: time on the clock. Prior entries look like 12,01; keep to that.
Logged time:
2,59
